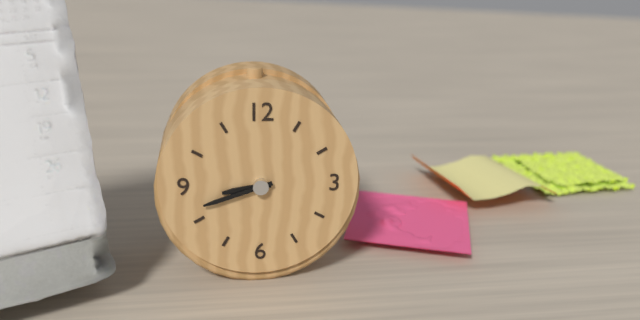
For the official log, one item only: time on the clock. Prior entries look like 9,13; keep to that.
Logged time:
8,42
